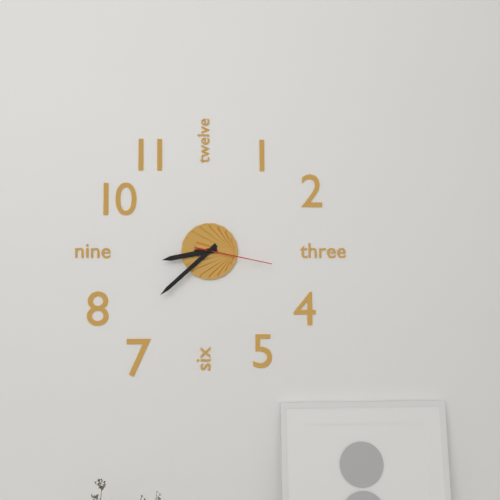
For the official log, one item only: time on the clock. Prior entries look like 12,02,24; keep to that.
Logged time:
8,38,17
